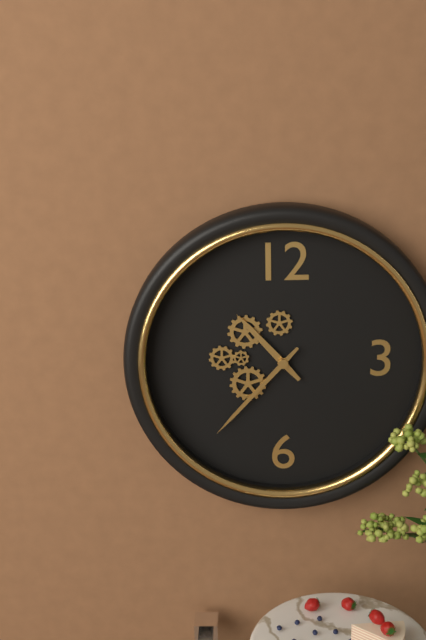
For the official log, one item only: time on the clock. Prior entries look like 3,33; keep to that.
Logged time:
10,37
